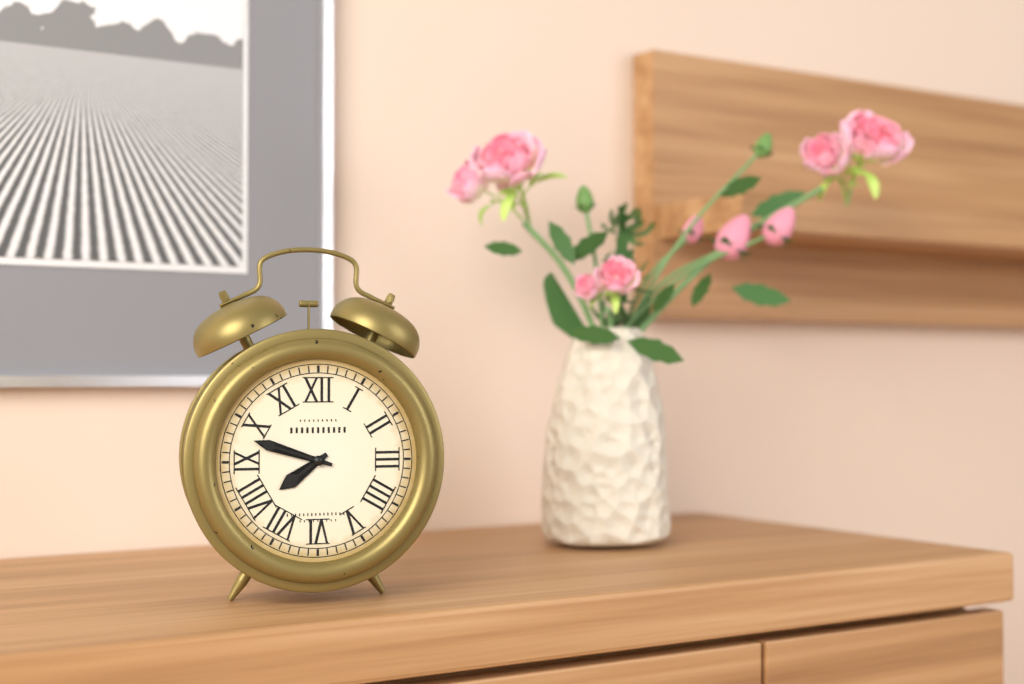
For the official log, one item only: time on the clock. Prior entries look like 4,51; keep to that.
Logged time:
7,48
